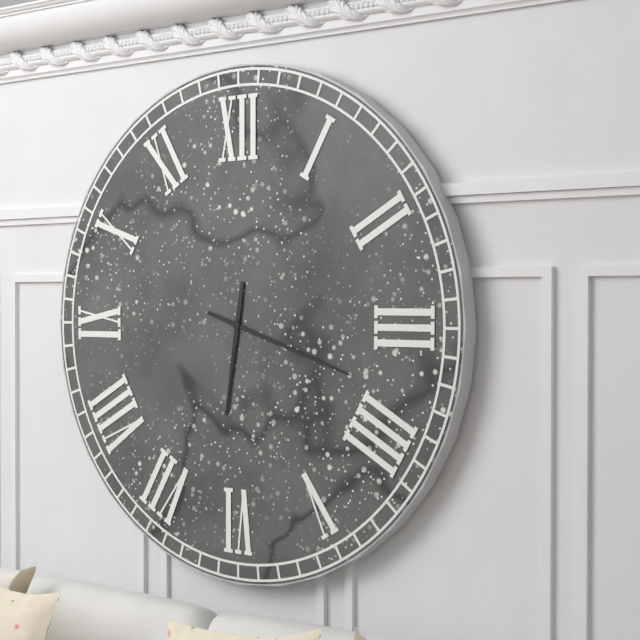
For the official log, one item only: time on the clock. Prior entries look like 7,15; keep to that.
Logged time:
6,18
